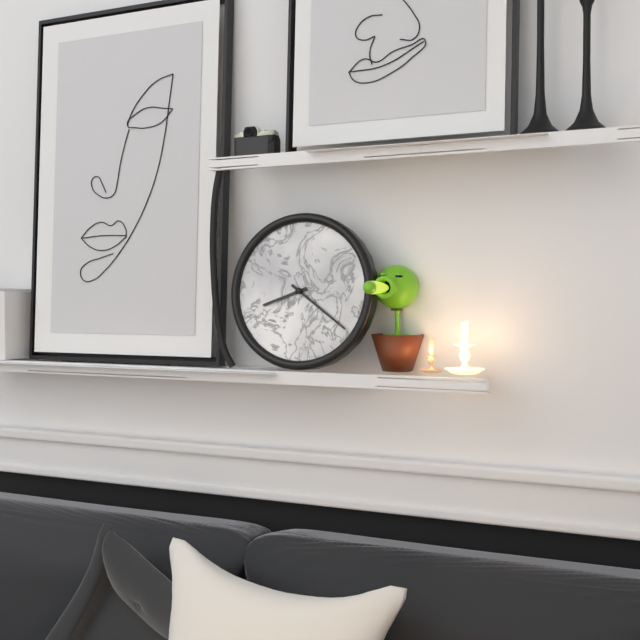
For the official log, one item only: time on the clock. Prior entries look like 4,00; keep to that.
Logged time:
8,21
